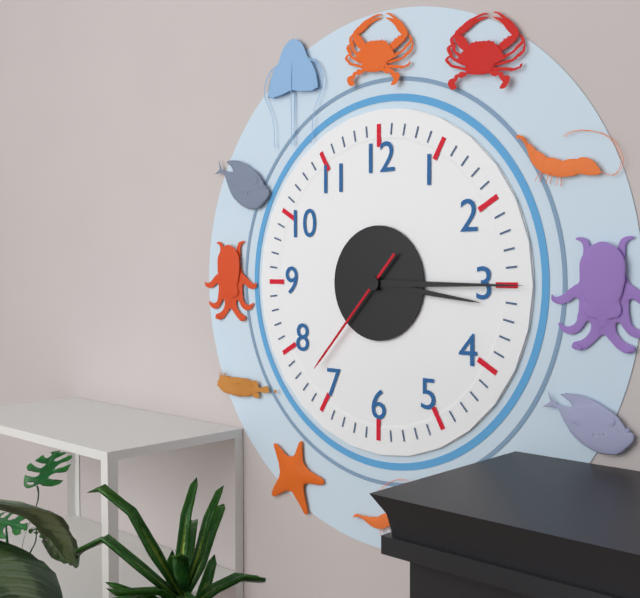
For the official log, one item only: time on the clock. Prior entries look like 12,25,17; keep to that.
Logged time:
3,15,37
